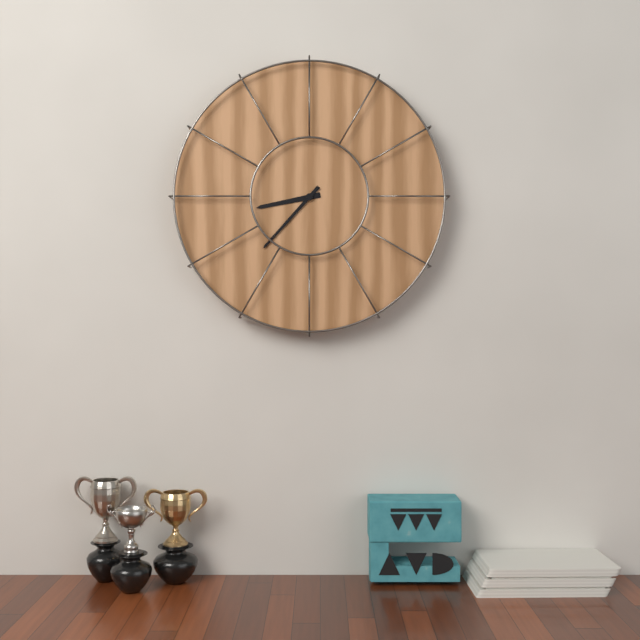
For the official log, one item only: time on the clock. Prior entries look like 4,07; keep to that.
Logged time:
8,37
